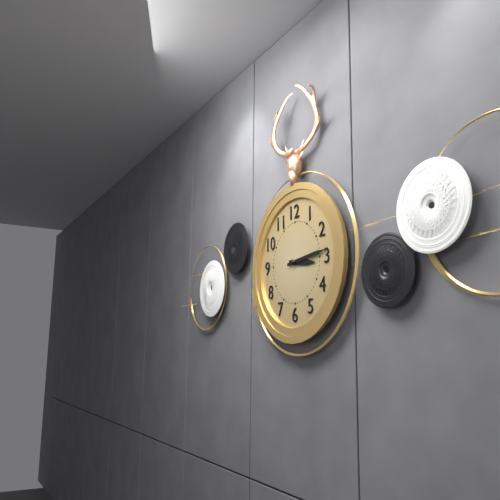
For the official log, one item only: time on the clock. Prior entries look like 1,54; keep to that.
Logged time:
3,14
